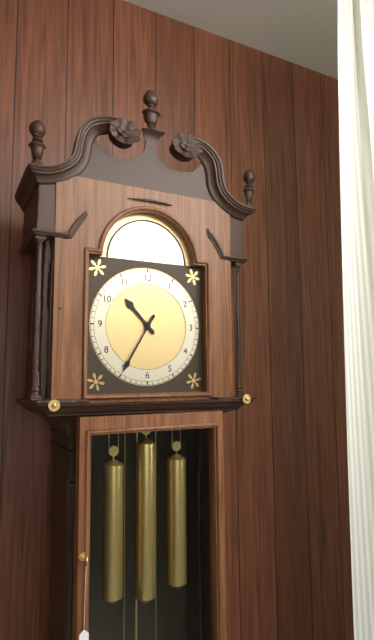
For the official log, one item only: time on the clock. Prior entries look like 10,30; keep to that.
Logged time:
10,35
